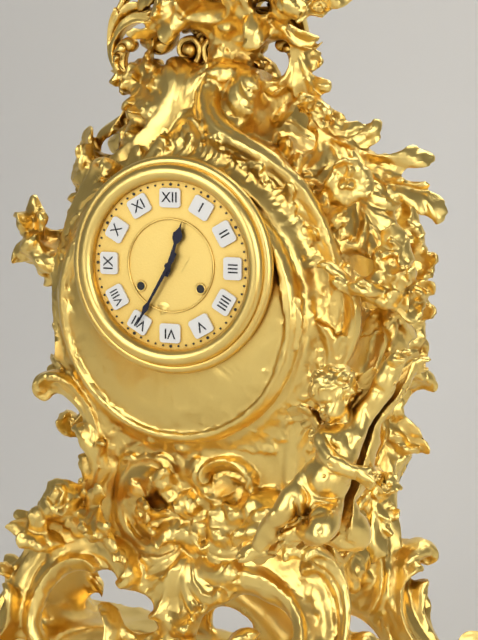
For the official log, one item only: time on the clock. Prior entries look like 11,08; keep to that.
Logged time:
12,35
